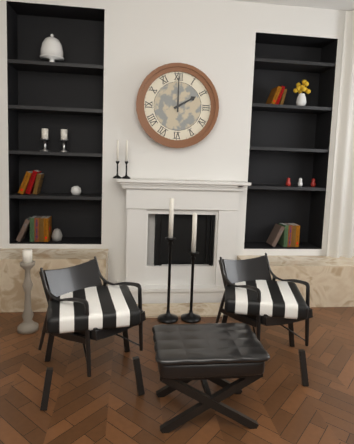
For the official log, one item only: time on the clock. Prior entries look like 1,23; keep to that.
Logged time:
2,00
